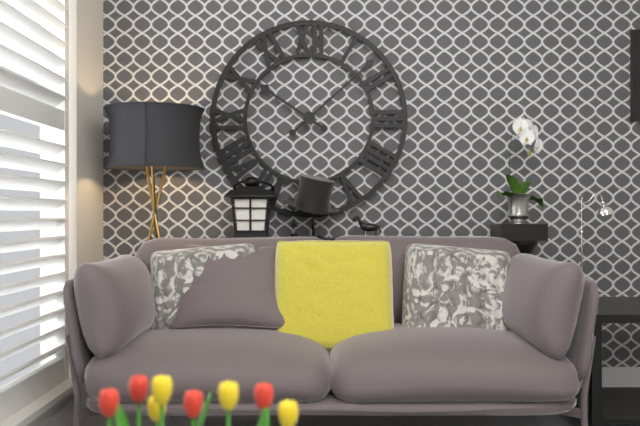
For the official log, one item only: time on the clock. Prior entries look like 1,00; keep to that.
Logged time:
10,08
